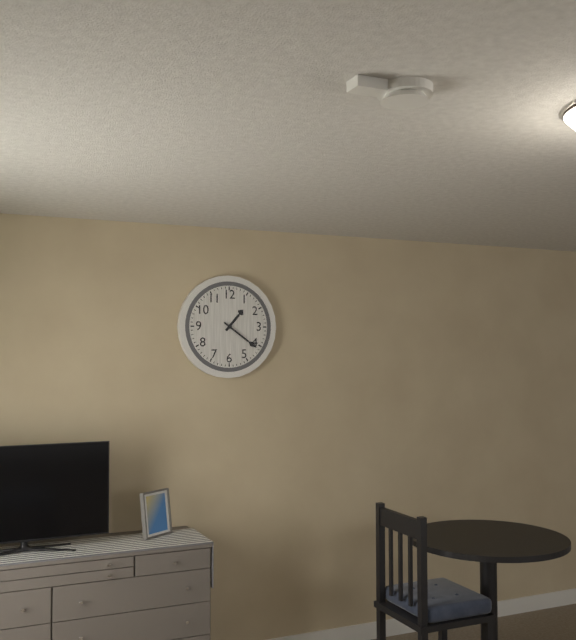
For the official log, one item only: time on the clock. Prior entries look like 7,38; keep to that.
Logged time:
1,21
